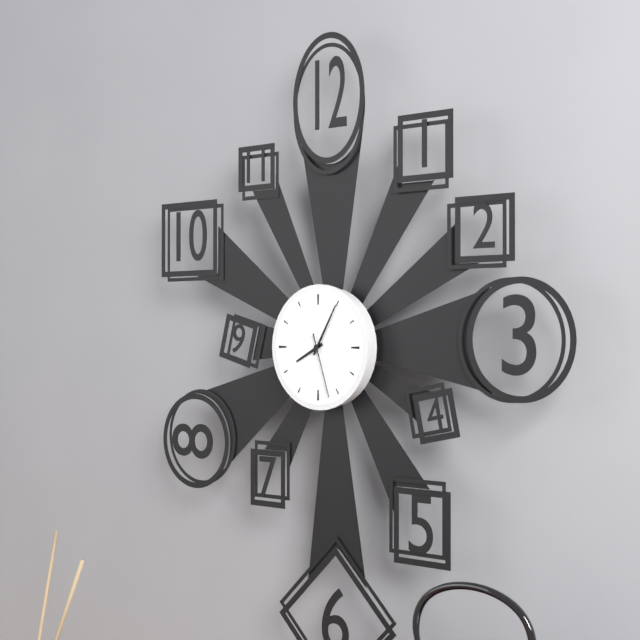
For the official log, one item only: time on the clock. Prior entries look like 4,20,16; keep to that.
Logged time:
8,05,27
